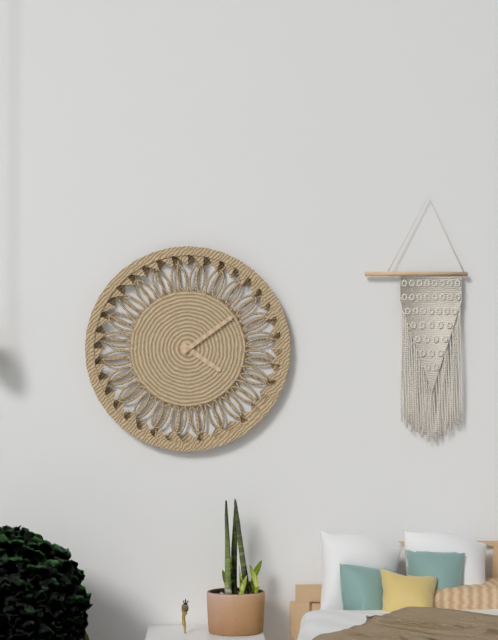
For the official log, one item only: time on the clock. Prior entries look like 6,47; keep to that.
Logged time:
4,09
